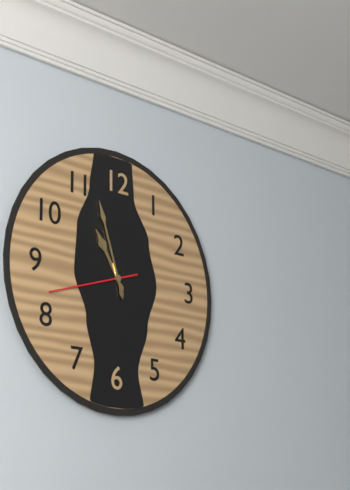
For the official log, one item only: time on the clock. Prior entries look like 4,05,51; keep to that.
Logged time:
10,57,42
